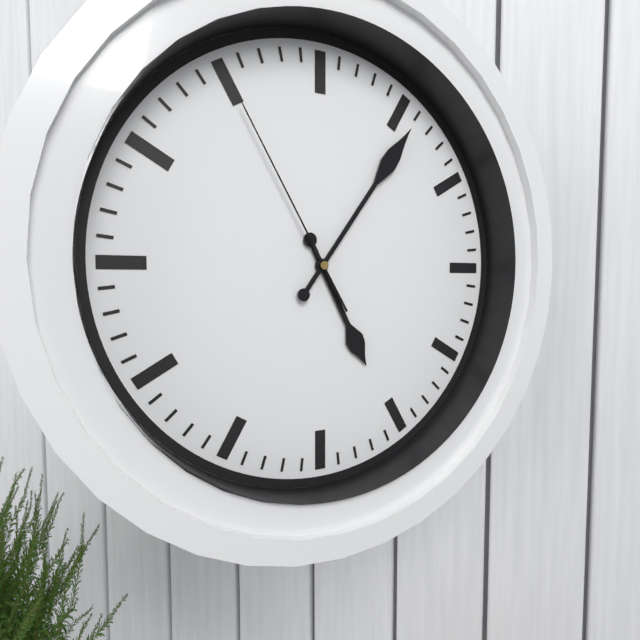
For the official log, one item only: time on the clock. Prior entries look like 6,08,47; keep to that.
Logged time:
5,06,55
